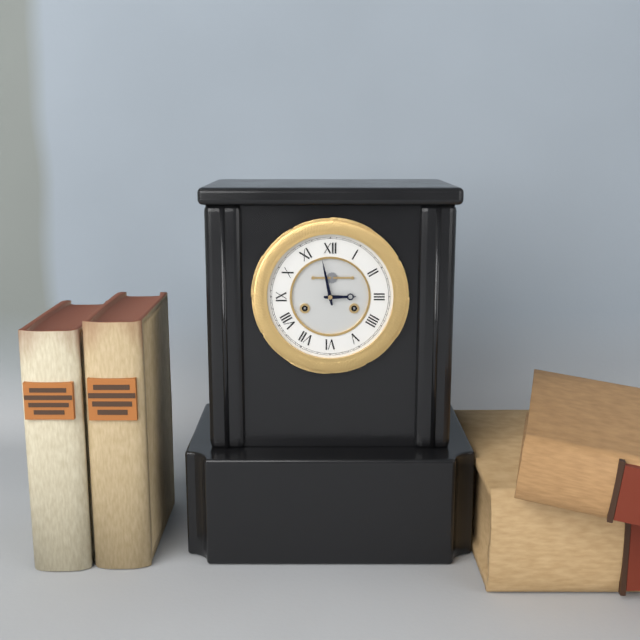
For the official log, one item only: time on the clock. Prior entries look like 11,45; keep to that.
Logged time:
2,58
